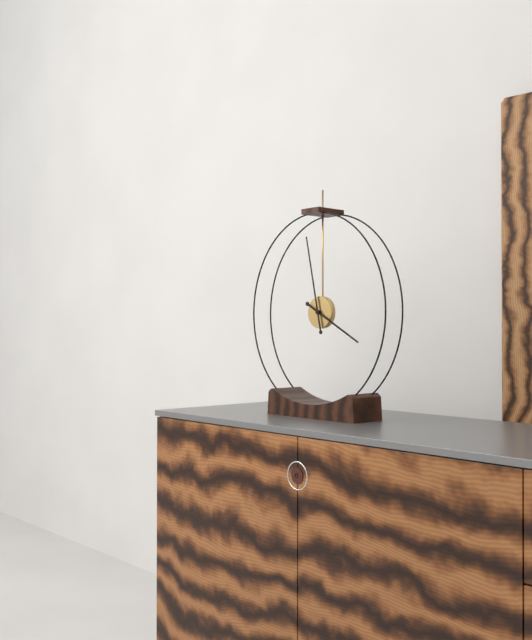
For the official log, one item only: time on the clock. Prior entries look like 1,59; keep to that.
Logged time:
3,58
